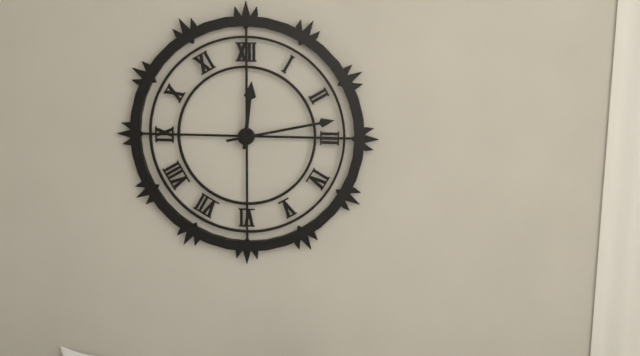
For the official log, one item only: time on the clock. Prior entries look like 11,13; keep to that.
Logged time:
12,13
